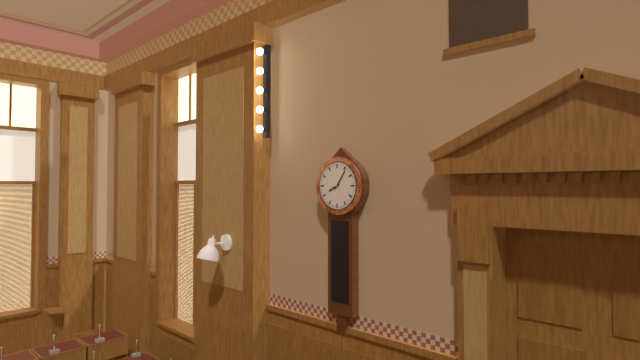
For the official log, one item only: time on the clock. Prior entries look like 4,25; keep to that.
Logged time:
8,06
